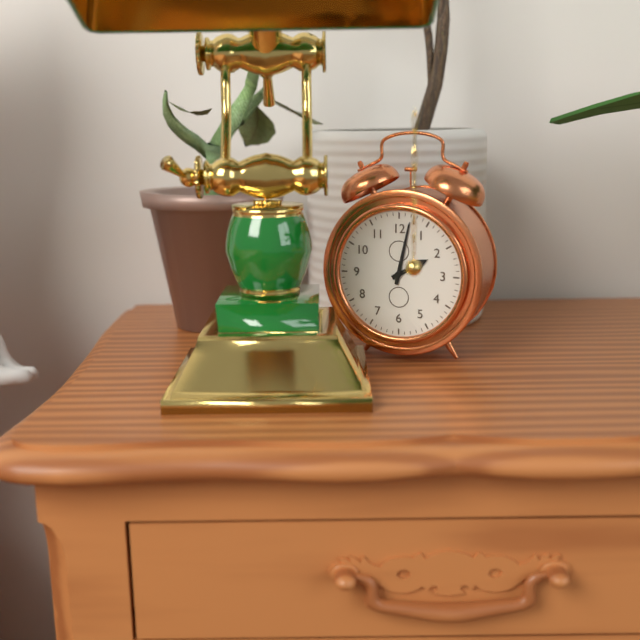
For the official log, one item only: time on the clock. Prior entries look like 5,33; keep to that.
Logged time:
2,02
